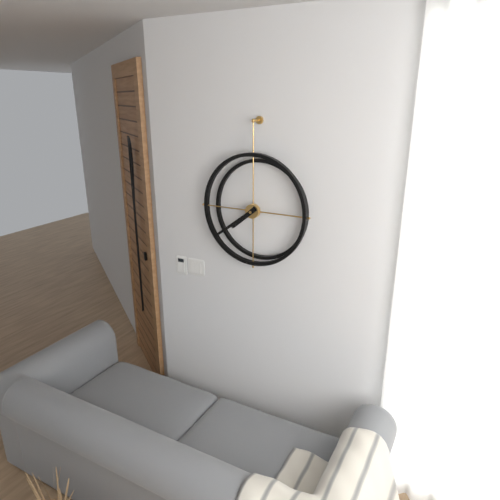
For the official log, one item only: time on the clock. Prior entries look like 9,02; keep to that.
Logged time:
7,39
